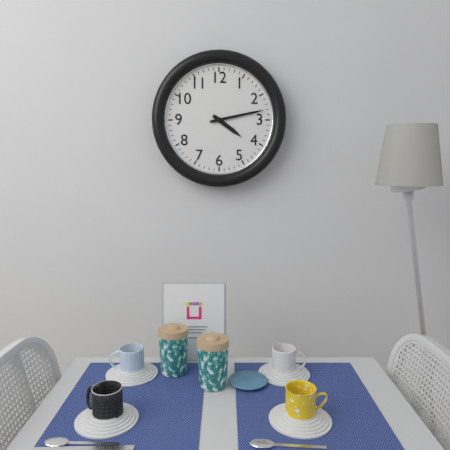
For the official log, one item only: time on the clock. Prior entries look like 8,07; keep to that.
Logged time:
4,13
